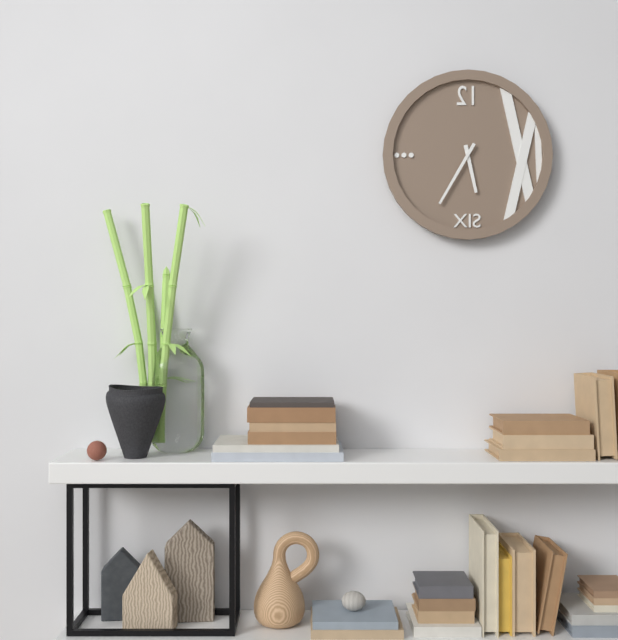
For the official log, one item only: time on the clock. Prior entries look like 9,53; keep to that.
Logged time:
5,35
